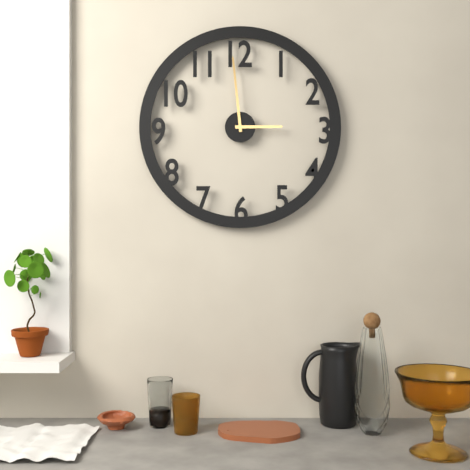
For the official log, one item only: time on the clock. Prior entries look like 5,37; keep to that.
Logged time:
2,59
